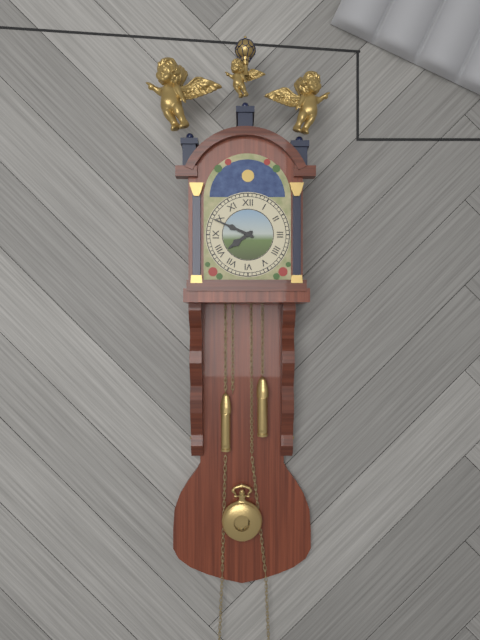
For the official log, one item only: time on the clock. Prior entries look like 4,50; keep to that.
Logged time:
7,49
